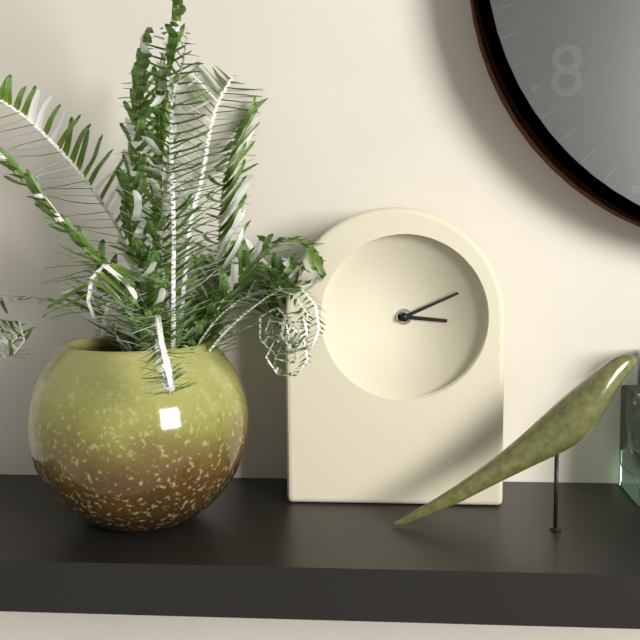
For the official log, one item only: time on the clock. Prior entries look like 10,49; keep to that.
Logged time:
3,11
